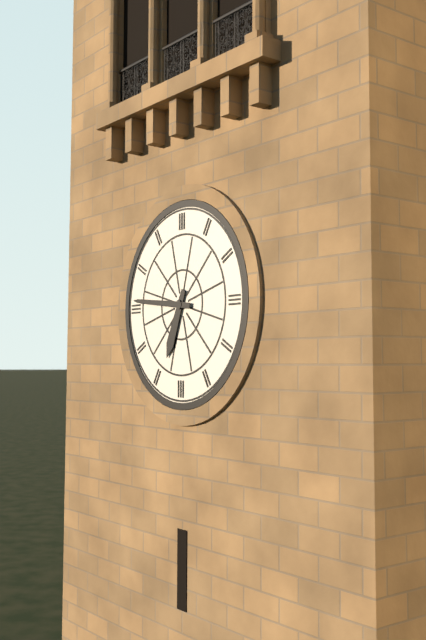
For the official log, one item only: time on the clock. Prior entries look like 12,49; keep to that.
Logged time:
6,46
